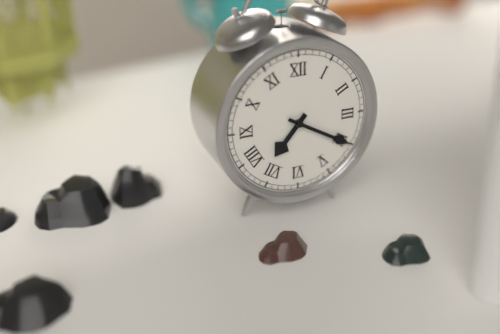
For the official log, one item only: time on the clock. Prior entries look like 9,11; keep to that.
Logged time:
7,20
